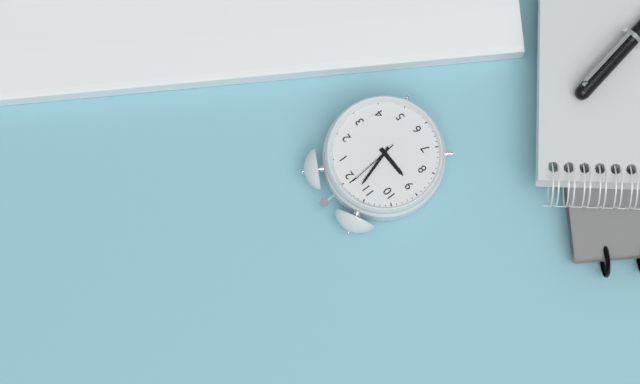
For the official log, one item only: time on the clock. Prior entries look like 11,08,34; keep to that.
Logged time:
8,57,59
